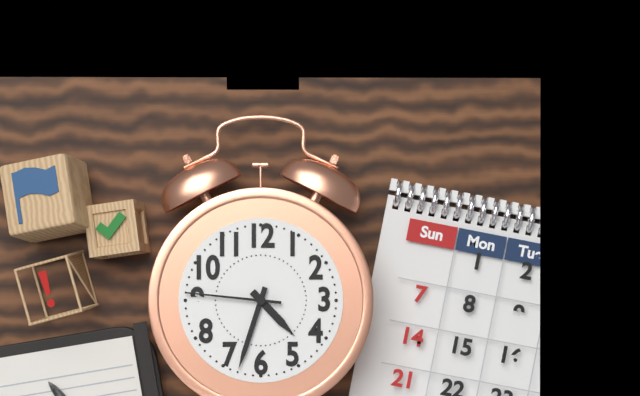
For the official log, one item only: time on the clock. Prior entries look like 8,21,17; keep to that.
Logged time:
4,33,46
